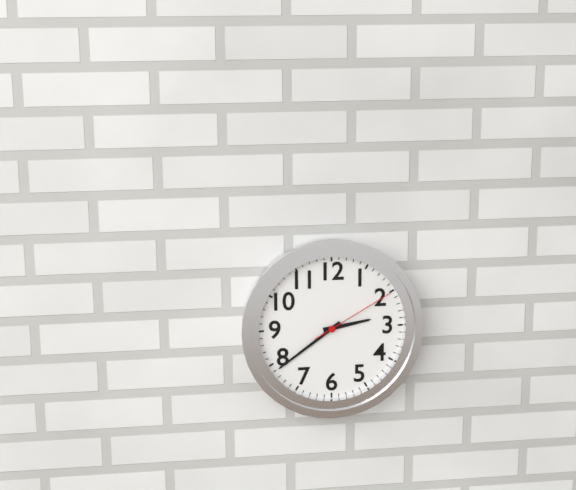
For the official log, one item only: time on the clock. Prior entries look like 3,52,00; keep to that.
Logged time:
2,39,10
